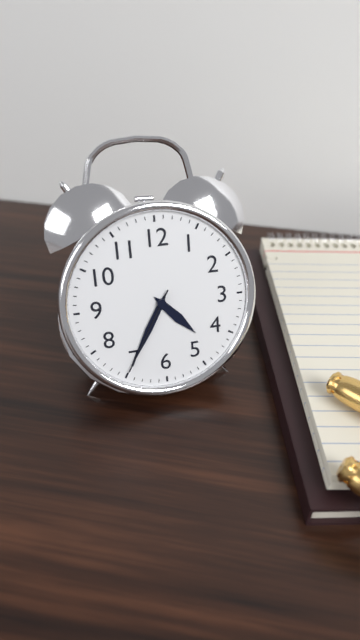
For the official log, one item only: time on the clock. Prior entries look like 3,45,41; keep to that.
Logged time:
4,35,35
